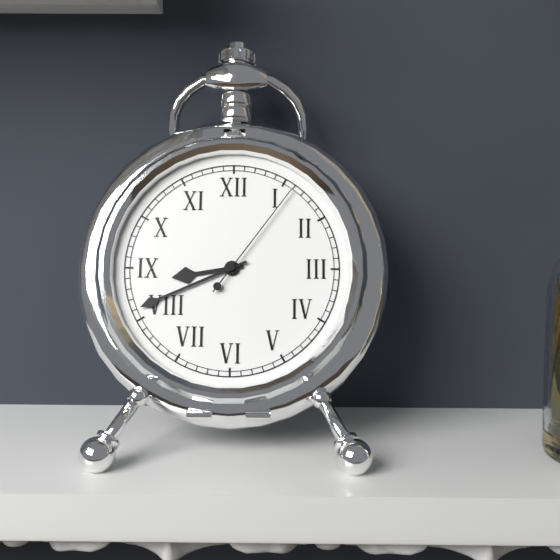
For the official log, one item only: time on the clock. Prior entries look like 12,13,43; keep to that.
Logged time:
8,41,06
